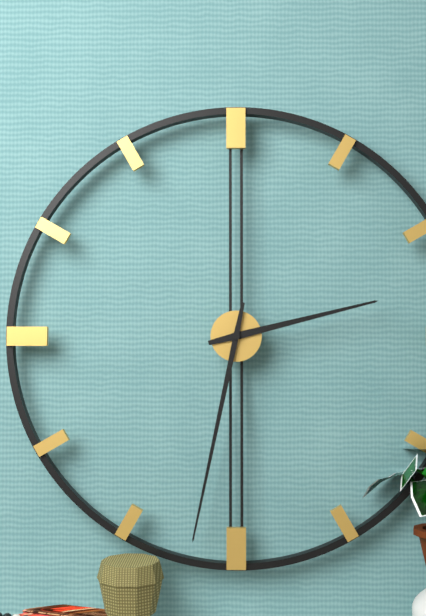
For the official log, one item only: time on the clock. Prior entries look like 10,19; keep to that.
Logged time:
2,32
